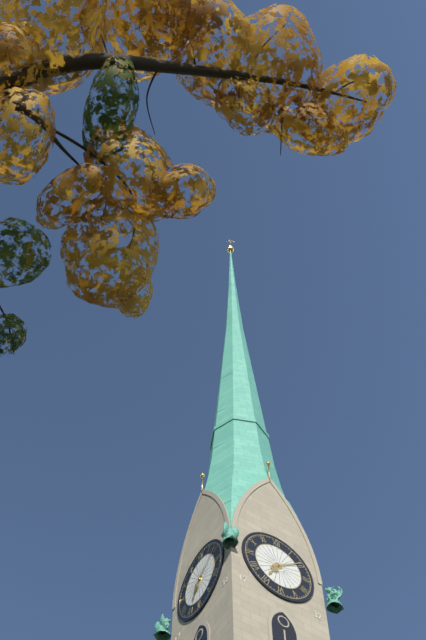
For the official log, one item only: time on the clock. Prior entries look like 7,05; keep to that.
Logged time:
7,09
